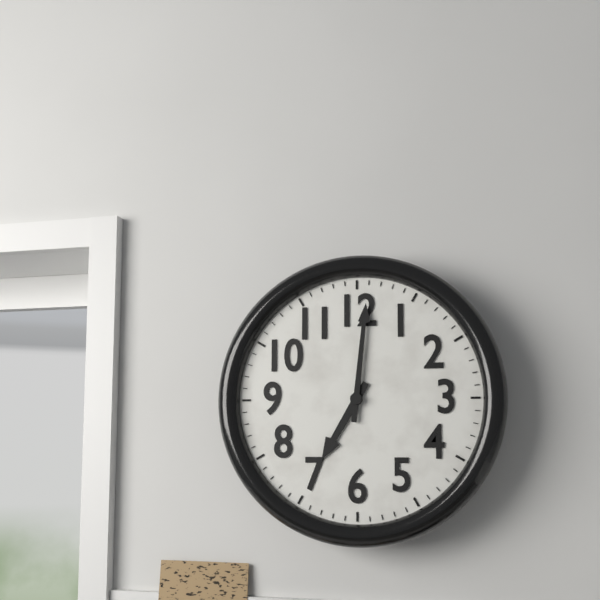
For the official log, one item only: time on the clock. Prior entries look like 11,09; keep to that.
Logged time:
7,01
